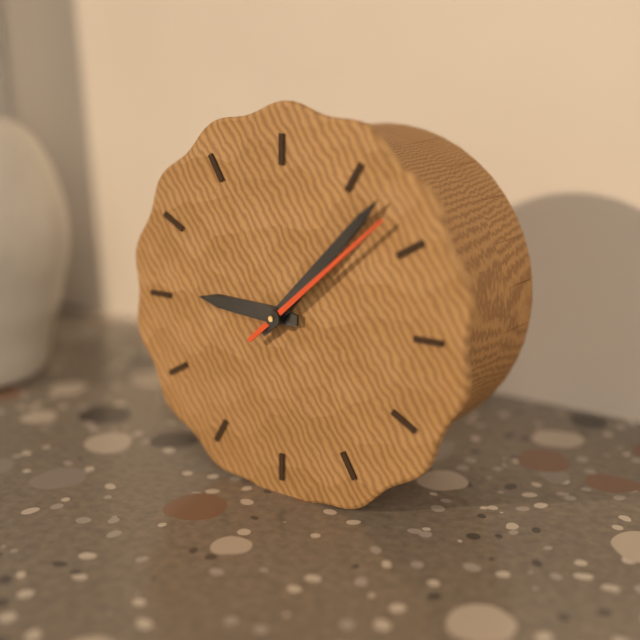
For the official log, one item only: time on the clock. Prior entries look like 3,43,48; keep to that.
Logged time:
9,07,08
